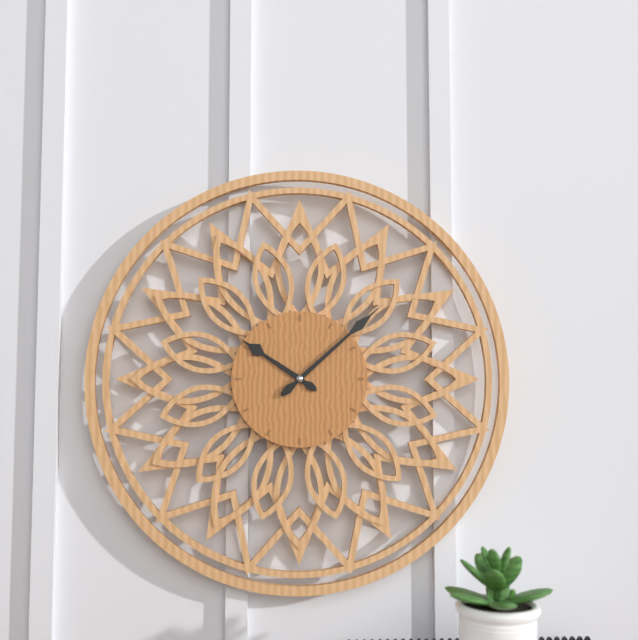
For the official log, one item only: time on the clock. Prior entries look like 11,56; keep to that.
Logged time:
10,08
